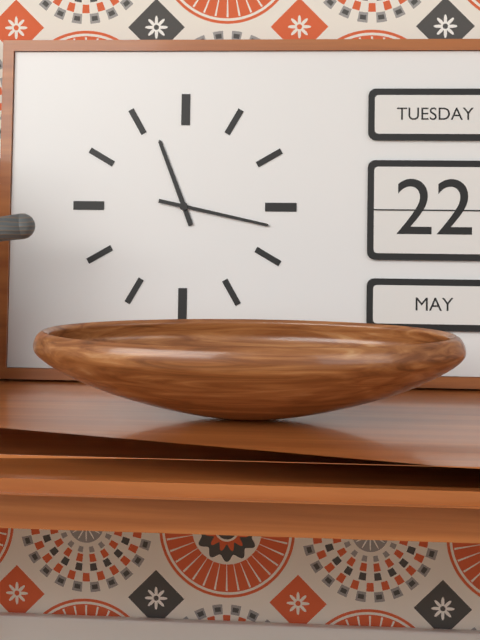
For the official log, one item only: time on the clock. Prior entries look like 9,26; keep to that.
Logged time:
11,17
